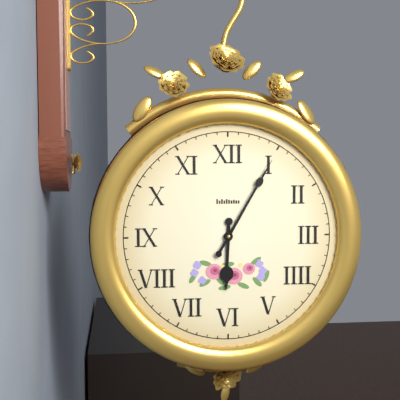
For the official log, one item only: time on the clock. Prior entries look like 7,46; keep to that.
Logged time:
6,05
